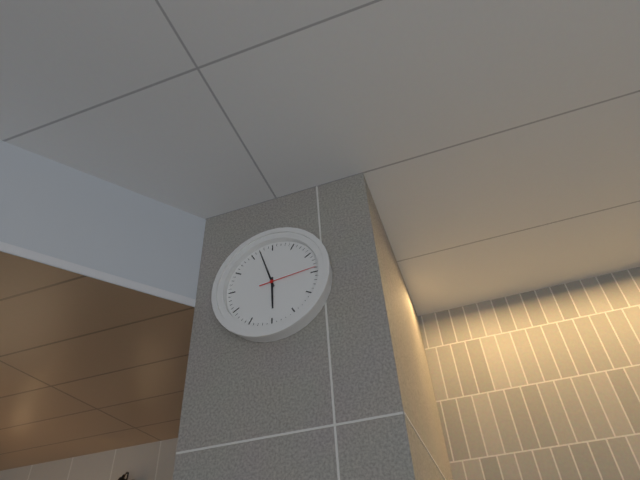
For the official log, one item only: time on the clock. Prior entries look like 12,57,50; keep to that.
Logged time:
5,57,14
